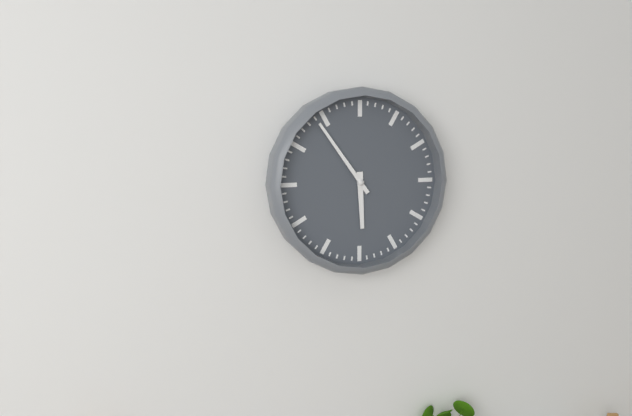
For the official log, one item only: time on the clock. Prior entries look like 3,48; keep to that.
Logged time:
5,54
